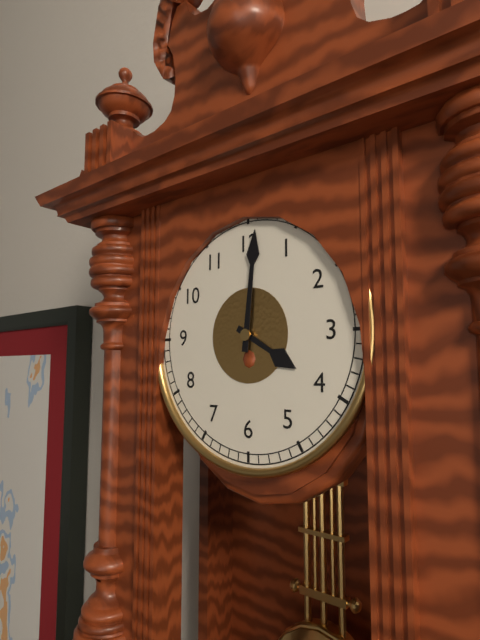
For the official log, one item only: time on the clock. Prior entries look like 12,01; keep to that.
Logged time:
4,01
